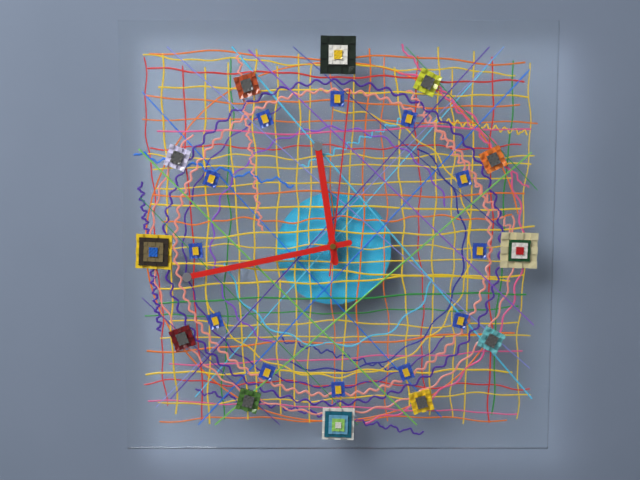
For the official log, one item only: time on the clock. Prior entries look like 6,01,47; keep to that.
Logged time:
11,43,01
